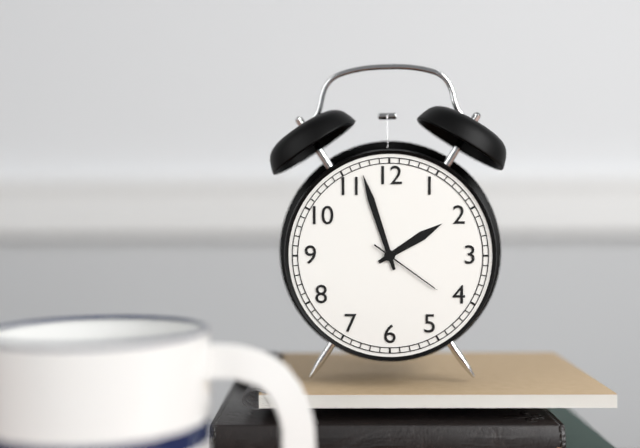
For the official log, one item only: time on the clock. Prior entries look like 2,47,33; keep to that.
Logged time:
1,57,21
